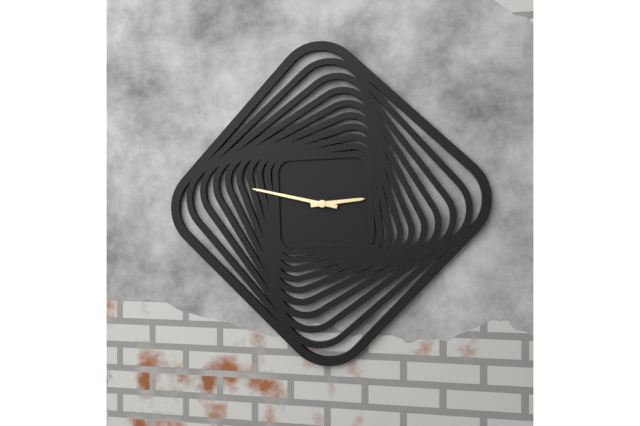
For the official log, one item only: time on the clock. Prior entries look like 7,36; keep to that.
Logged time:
2,47
